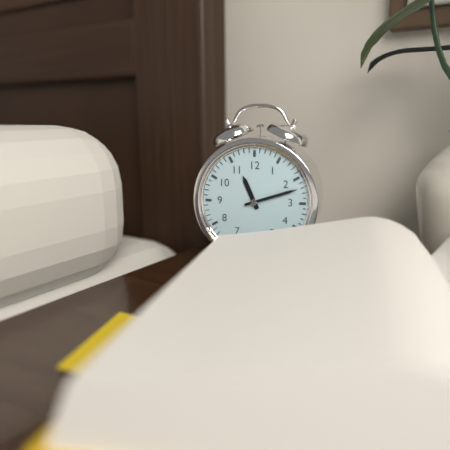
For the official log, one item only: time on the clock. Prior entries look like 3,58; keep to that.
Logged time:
11,12
